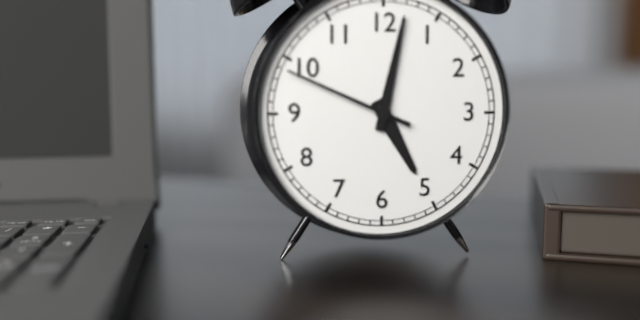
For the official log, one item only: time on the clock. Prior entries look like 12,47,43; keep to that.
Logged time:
5,02,49
